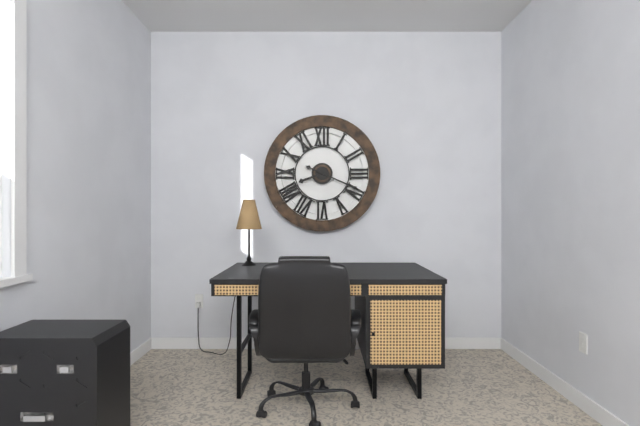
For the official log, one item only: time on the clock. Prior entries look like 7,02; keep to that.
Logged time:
8,19
